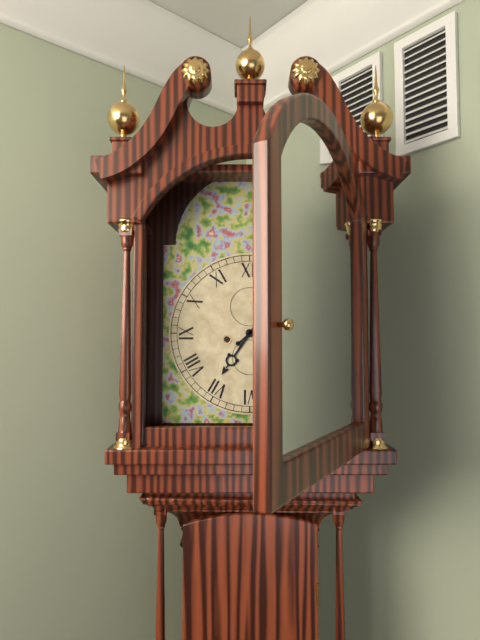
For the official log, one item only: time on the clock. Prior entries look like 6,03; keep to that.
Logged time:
7,08
